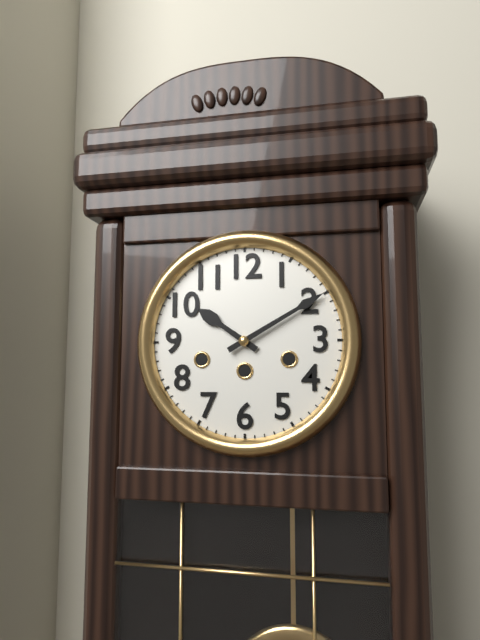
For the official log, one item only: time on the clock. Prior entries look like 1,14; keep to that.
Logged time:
10,10
